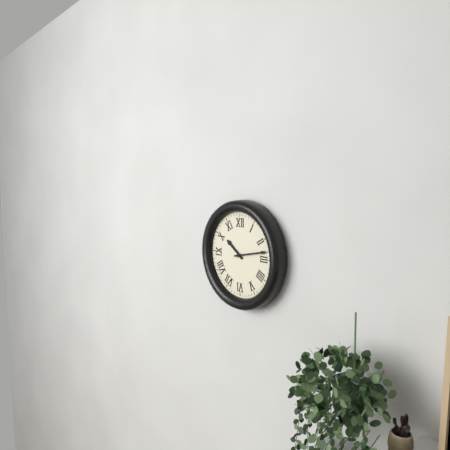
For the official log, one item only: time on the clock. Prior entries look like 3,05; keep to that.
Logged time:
10,13
